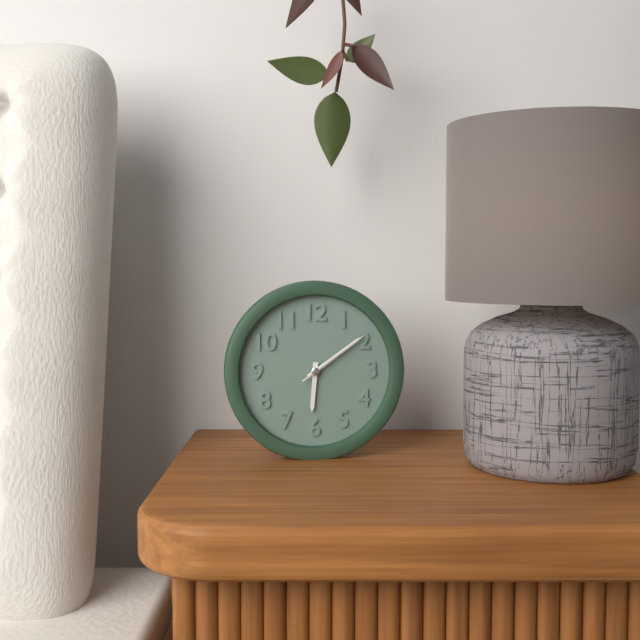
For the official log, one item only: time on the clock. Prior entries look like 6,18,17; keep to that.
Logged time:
6,09,09
